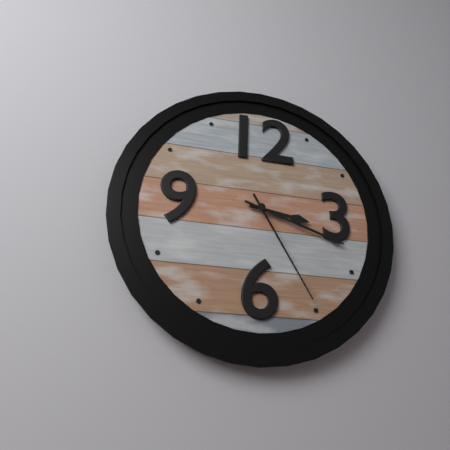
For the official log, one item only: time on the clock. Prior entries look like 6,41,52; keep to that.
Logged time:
3,18,25
